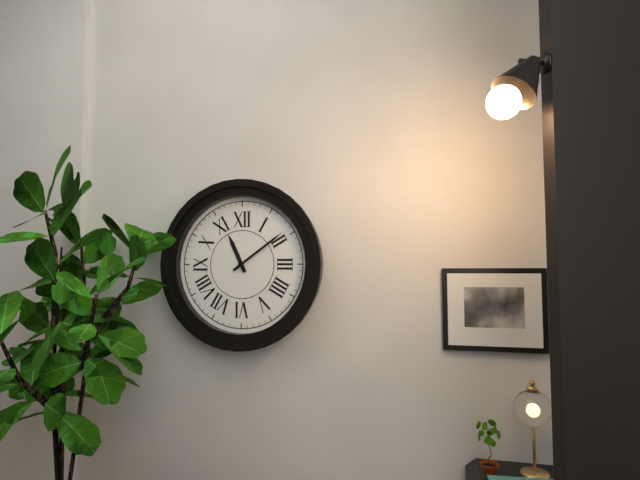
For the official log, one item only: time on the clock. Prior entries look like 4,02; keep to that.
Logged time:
11,09
